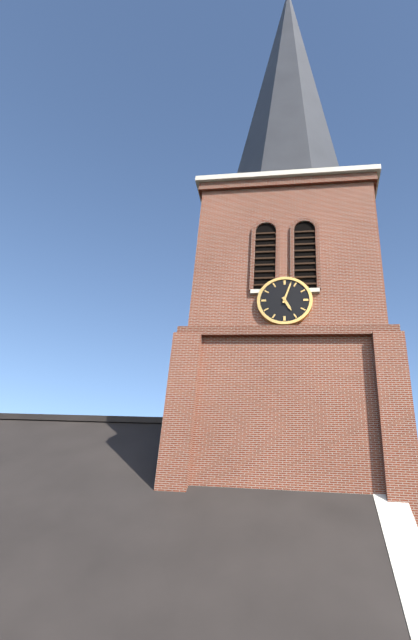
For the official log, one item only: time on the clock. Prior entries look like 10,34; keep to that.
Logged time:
5,03
